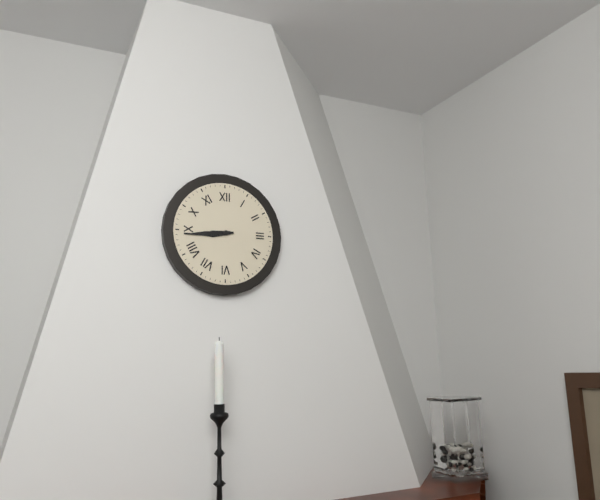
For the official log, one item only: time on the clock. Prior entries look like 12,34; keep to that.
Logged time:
8,44
